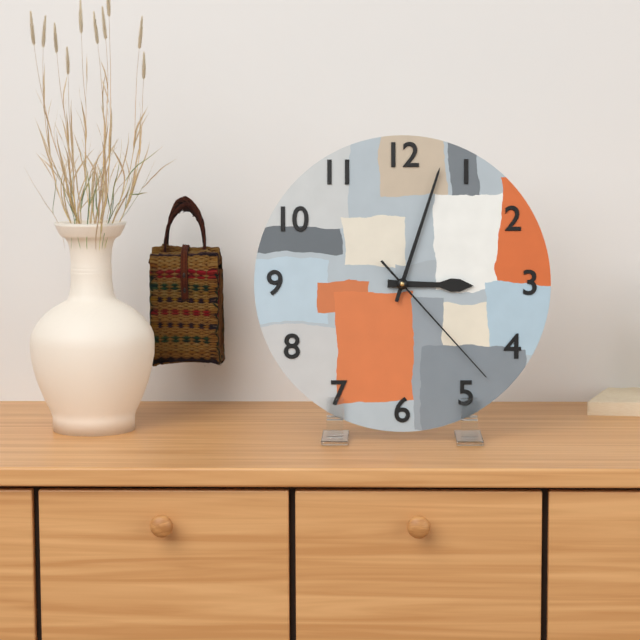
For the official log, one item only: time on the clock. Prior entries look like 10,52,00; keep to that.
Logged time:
3,03,23
